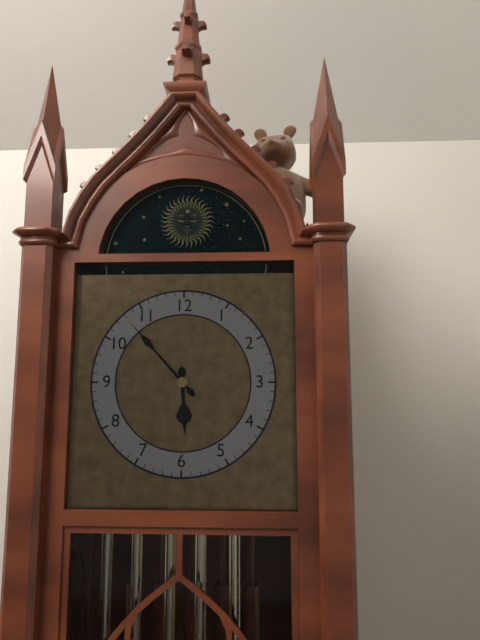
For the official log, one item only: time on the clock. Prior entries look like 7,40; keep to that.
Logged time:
5,53
